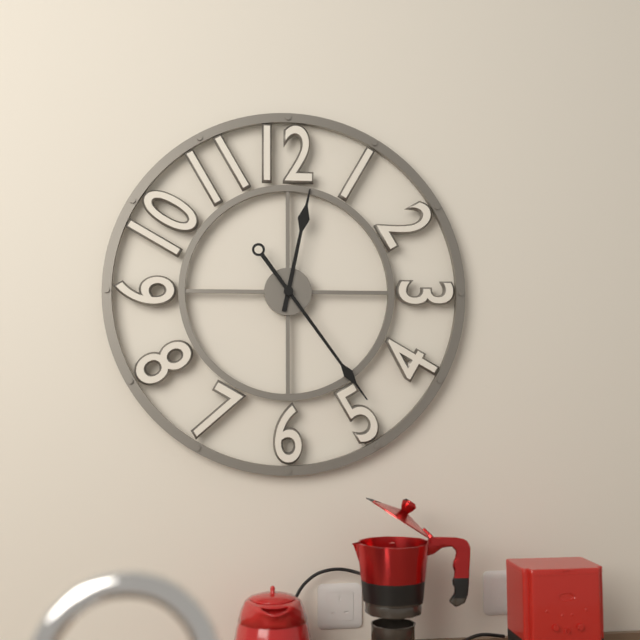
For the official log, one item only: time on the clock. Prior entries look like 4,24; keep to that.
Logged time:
12,24
